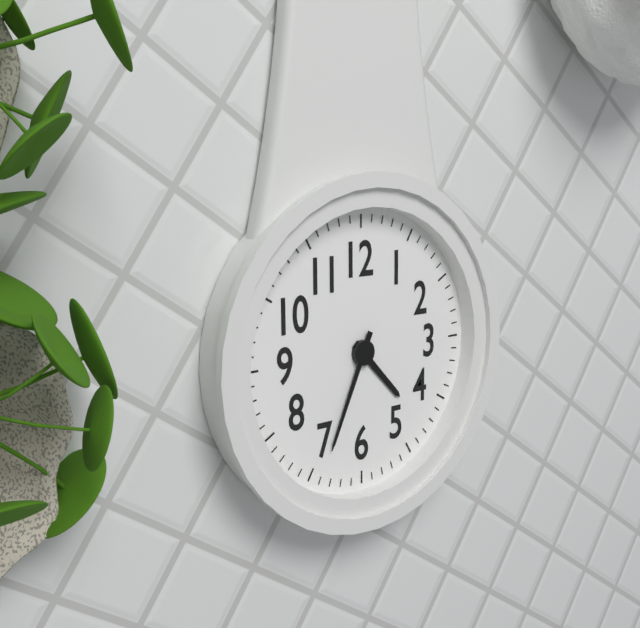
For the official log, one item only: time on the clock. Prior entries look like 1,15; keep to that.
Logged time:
4,34
